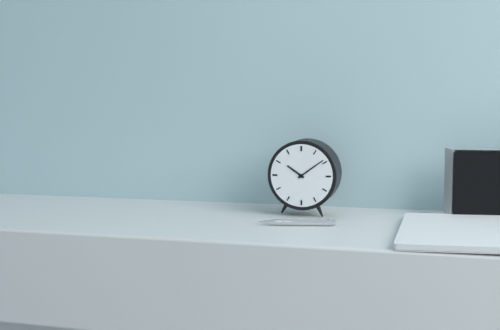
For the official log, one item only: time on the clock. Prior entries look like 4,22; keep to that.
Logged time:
10,09
